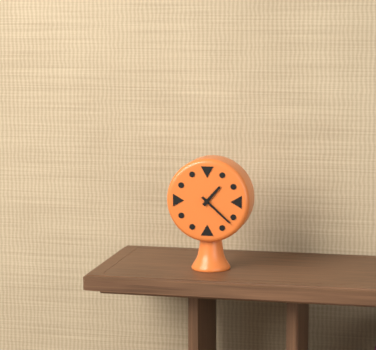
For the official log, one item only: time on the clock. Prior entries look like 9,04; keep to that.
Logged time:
1,22
